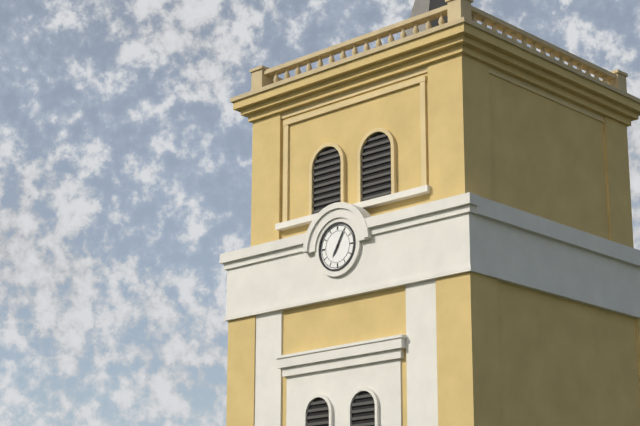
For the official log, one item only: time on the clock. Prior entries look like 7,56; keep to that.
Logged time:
7,05
